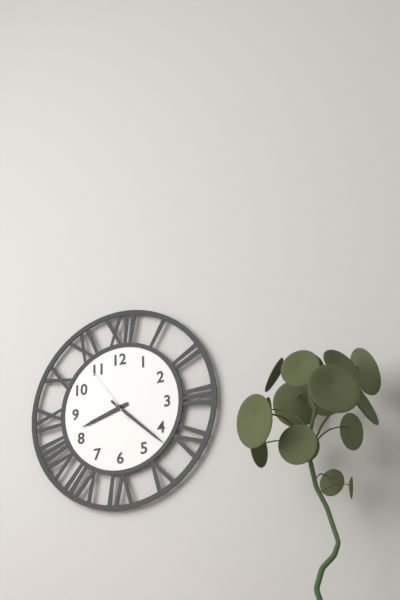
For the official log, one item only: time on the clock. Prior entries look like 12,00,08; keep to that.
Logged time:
8,22,54
